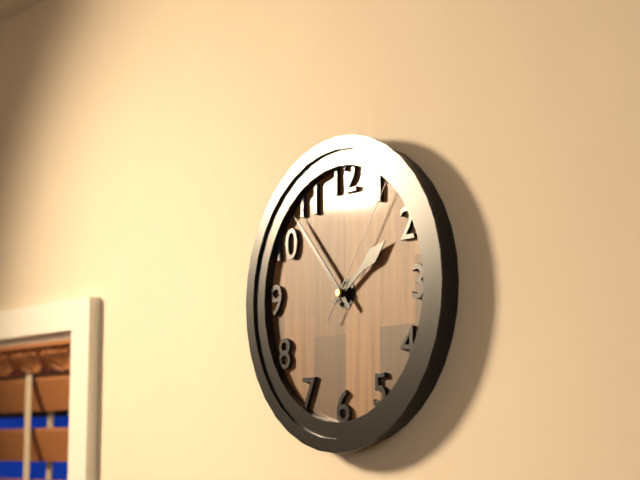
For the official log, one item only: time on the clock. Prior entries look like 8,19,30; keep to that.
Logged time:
1,53,06
